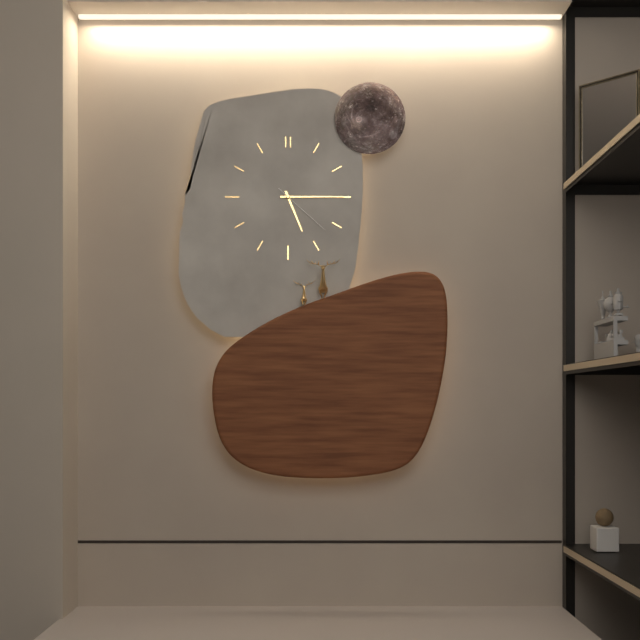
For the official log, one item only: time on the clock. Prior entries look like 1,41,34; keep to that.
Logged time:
5,15,22
